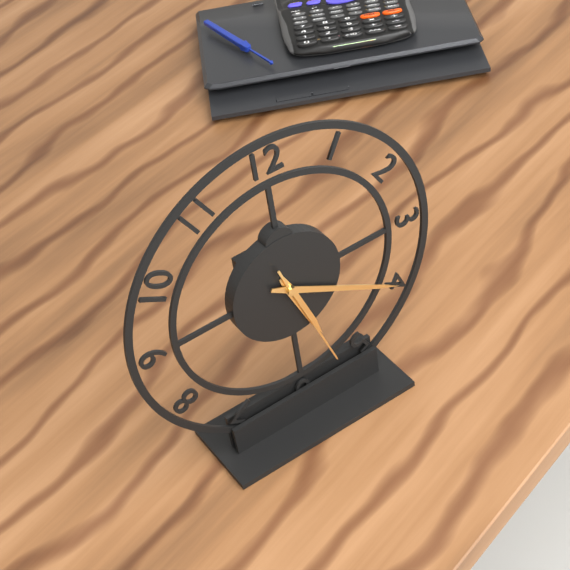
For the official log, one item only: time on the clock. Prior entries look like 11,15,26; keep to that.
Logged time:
5,20,27
